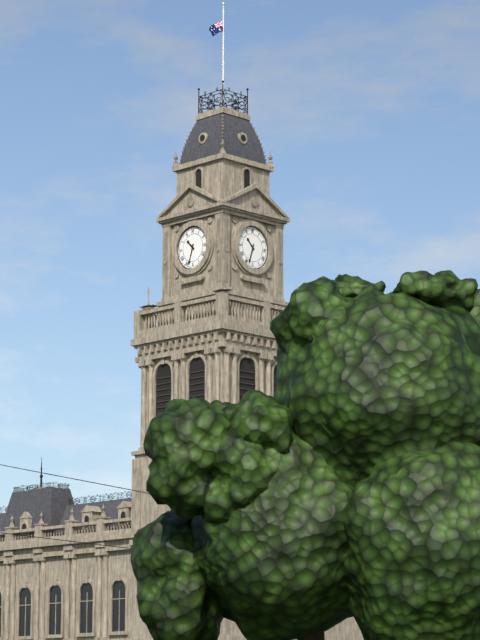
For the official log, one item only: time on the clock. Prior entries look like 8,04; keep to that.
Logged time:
10,33
